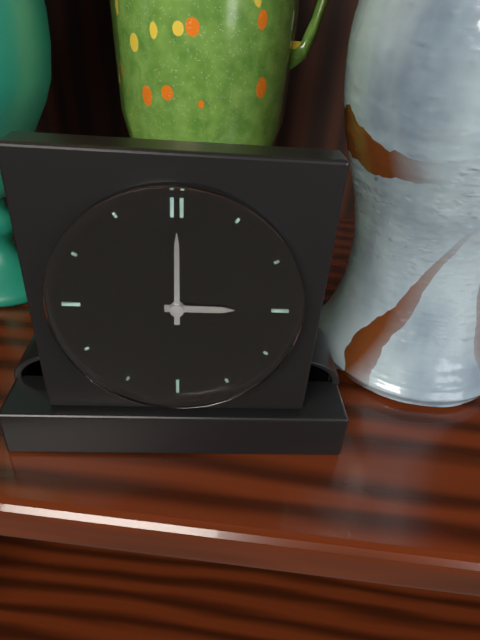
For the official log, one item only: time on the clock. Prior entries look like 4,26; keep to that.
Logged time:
3,00
